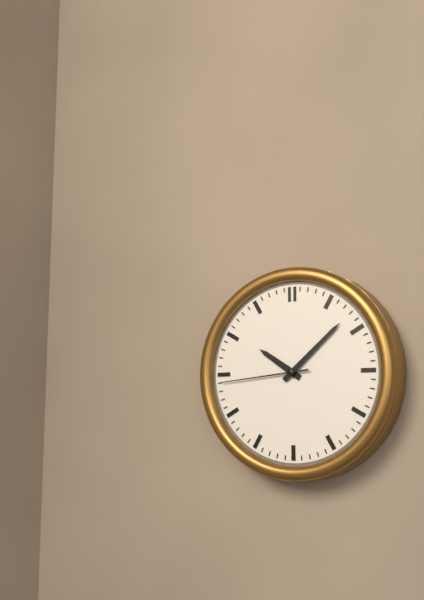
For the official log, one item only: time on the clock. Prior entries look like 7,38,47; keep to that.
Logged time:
10,08,44
